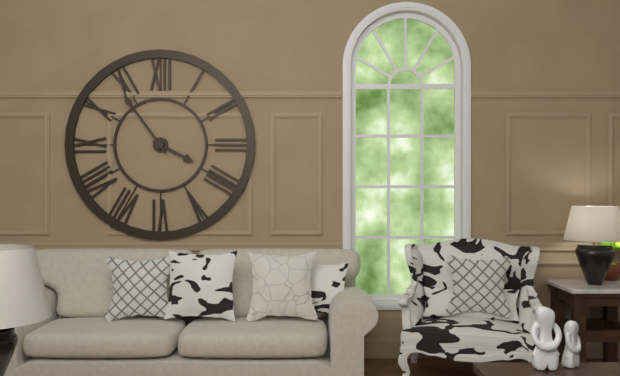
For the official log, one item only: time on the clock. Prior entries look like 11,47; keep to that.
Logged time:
3,54
